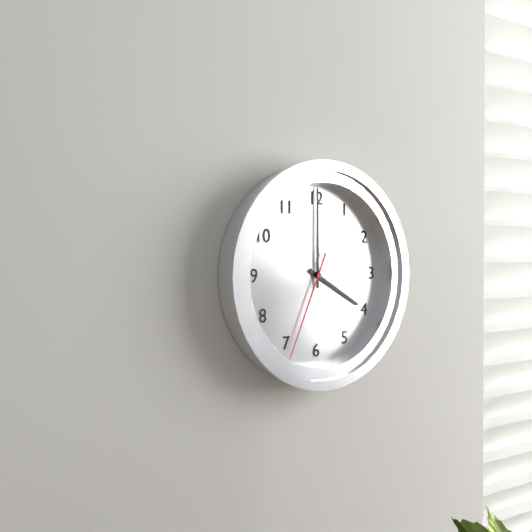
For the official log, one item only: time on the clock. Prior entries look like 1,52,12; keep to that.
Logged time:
4,00,34
